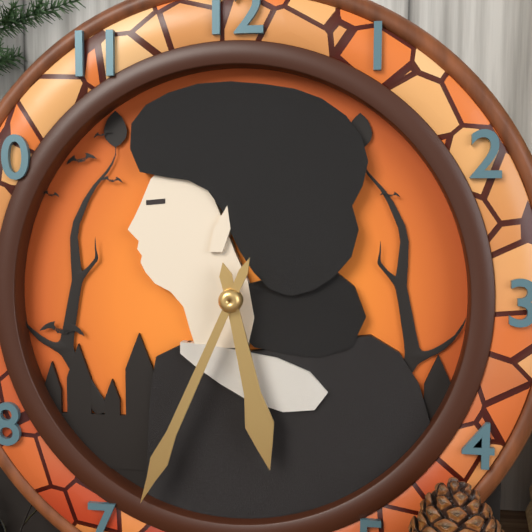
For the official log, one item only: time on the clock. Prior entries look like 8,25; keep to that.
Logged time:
5,34
